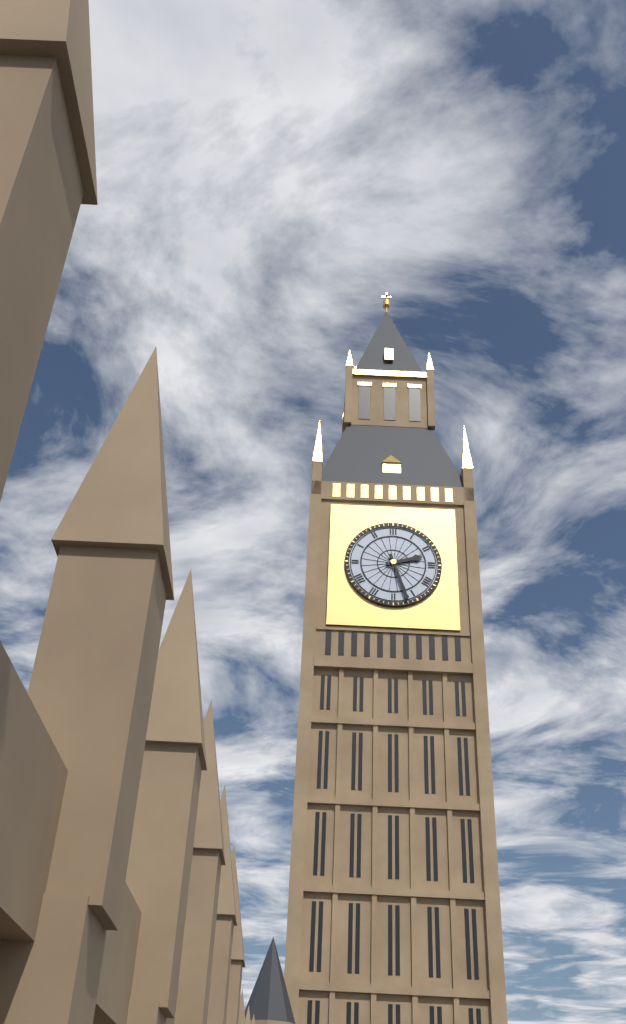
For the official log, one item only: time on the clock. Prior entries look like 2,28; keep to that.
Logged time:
2,27
